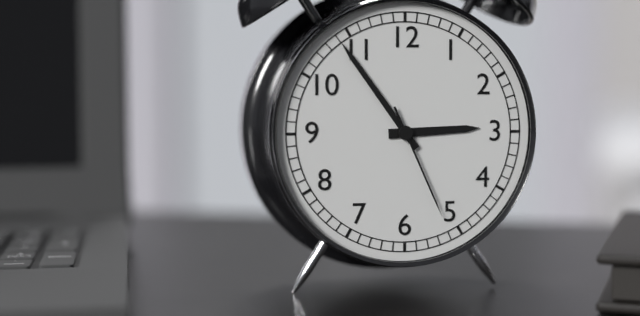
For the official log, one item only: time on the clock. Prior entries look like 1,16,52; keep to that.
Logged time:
2,54,26
